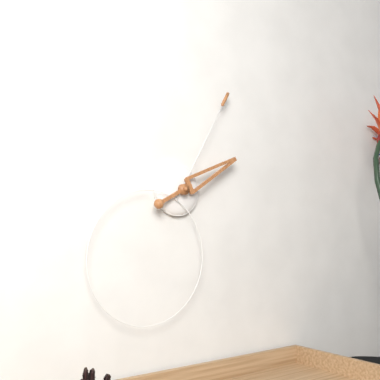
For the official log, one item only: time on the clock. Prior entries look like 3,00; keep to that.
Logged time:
2,05
